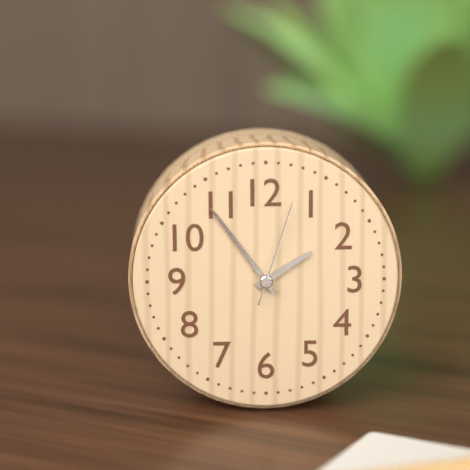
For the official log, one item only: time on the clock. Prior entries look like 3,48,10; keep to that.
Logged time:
1,54,03
